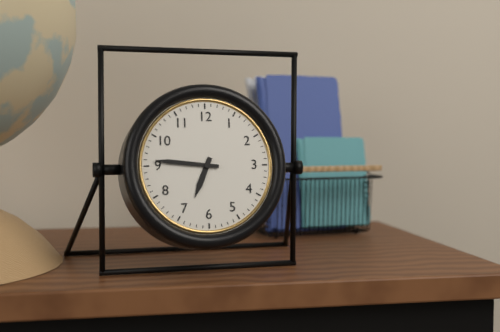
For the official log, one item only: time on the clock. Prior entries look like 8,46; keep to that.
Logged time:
6,46
